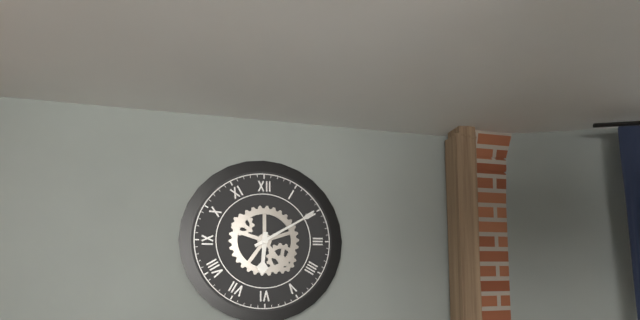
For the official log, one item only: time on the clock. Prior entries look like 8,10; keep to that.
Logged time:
6,10
